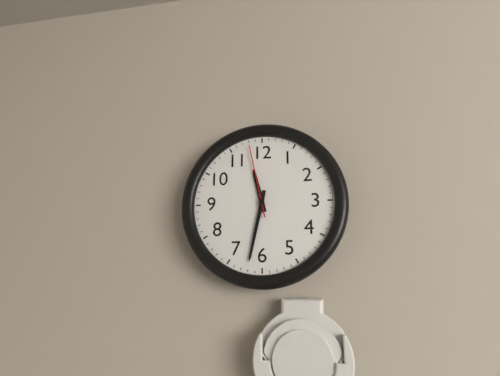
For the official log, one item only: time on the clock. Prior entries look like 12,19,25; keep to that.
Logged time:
11,32,58
